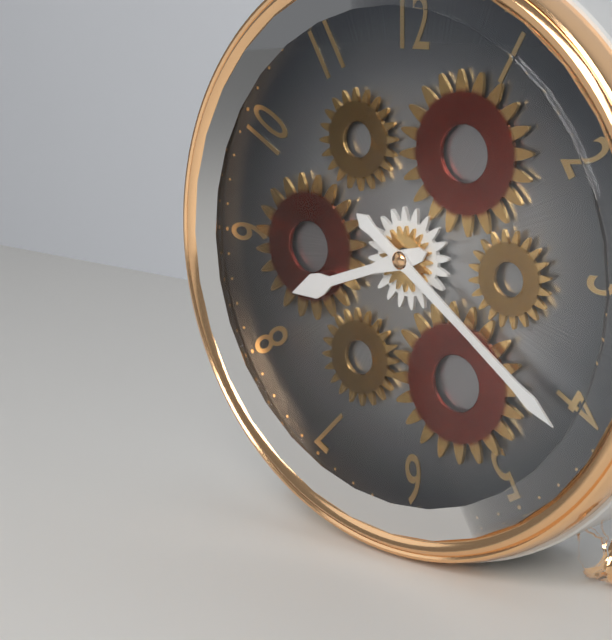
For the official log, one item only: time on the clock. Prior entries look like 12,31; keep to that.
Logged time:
8,21
